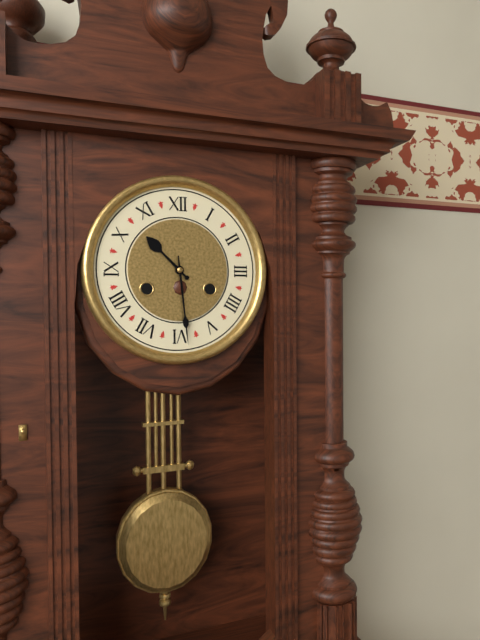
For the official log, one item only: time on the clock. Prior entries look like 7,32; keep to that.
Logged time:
10,29
